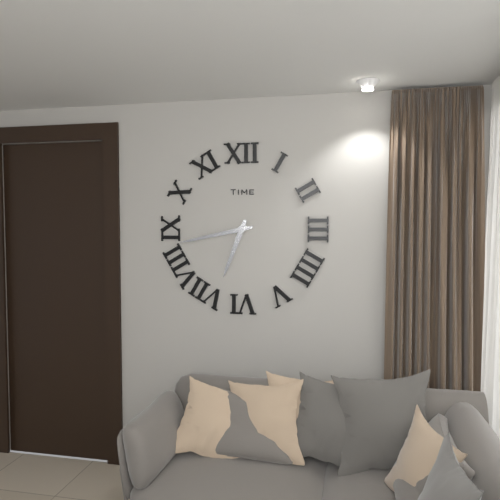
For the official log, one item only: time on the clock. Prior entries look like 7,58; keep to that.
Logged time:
6,43
